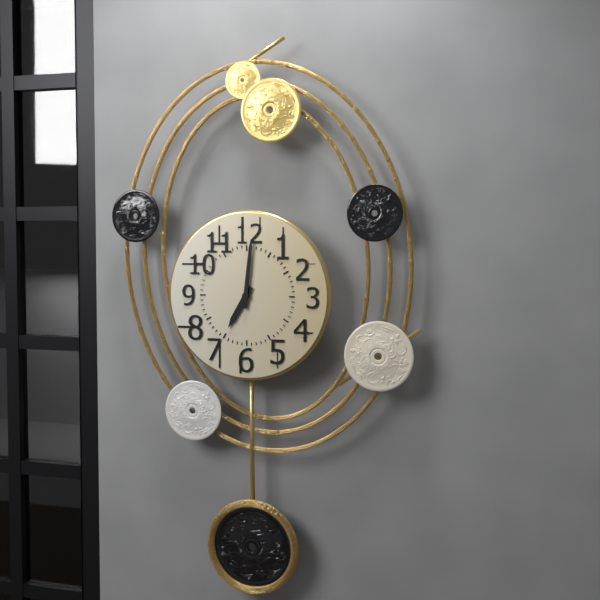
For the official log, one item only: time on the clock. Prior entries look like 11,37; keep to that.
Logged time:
7,01
